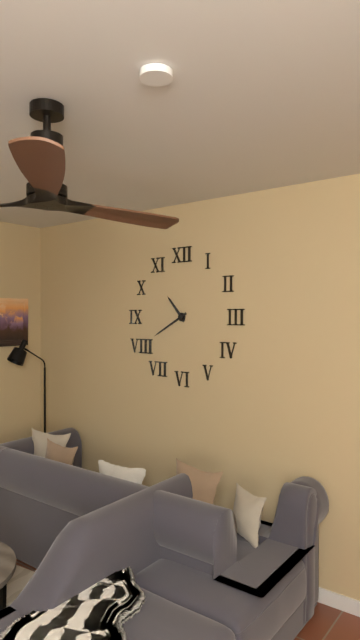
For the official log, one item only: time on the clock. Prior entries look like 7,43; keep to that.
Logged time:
10,40
